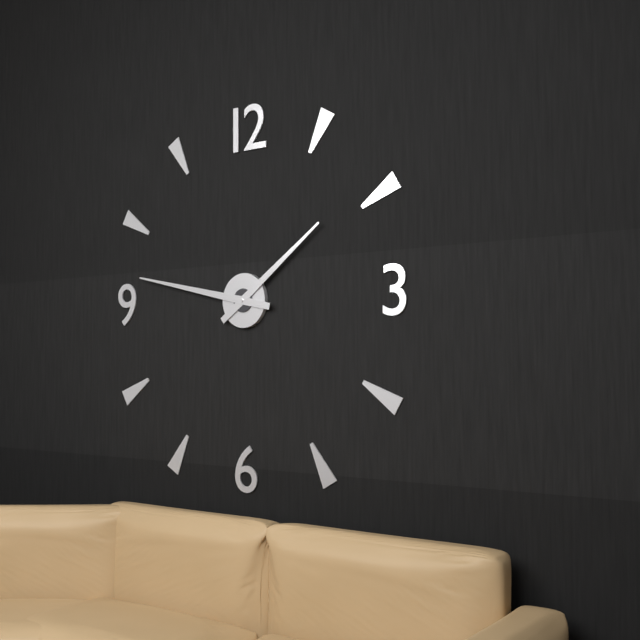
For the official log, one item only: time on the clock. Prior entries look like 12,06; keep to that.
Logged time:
1,47
